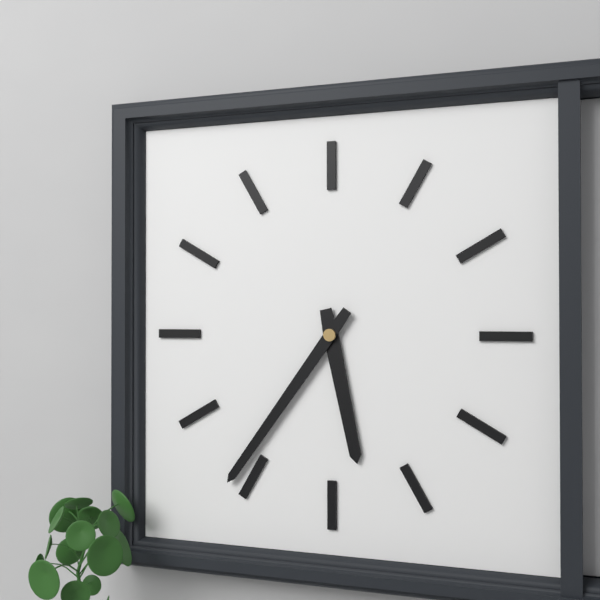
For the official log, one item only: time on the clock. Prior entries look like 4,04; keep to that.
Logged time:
5,36
